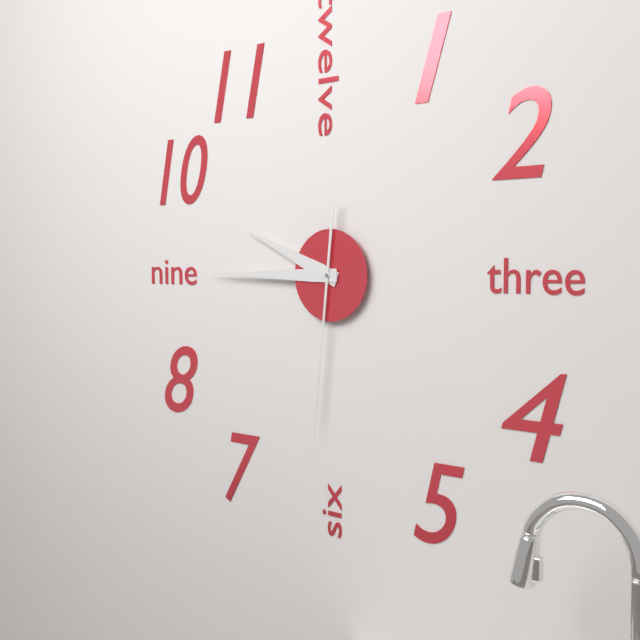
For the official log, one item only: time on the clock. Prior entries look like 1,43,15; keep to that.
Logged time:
9,45,31
